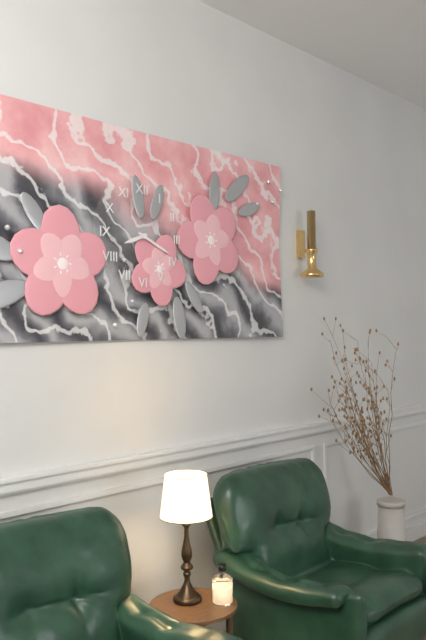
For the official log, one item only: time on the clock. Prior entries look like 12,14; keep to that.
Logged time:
8,19
